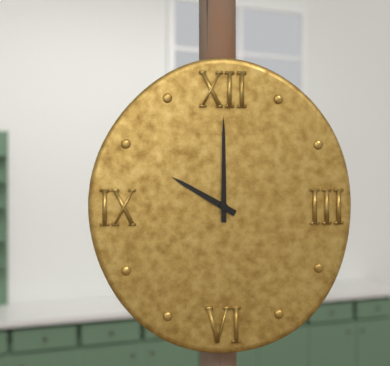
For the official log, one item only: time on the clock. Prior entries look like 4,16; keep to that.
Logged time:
10,00
